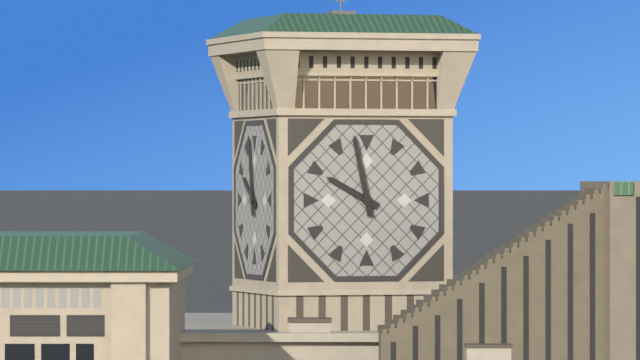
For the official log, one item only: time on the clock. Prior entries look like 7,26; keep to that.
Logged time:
9,58
